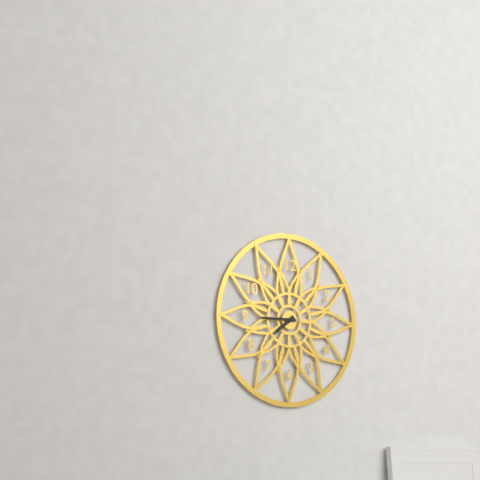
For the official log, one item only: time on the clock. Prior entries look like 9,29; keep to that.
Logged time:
7,45
